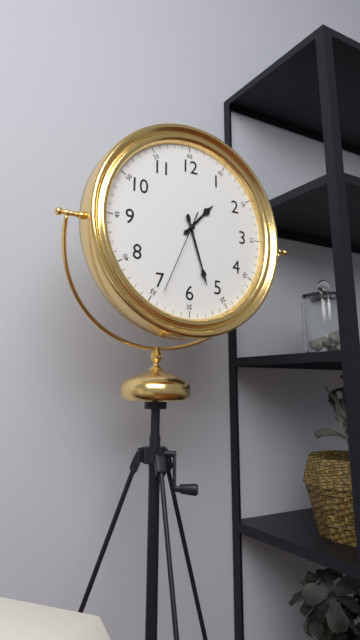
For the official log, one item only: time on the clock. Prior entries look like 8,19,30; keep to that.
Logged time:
1,27,34
